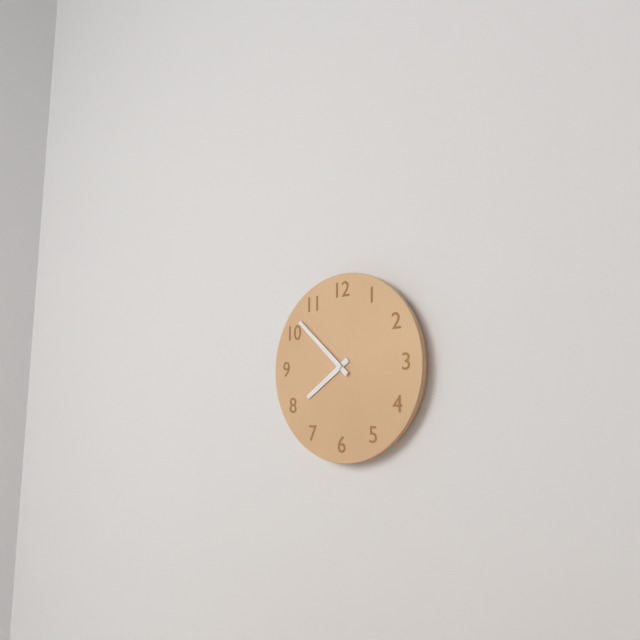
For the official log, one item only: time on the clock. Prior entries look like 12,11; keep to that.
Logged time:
7,52
